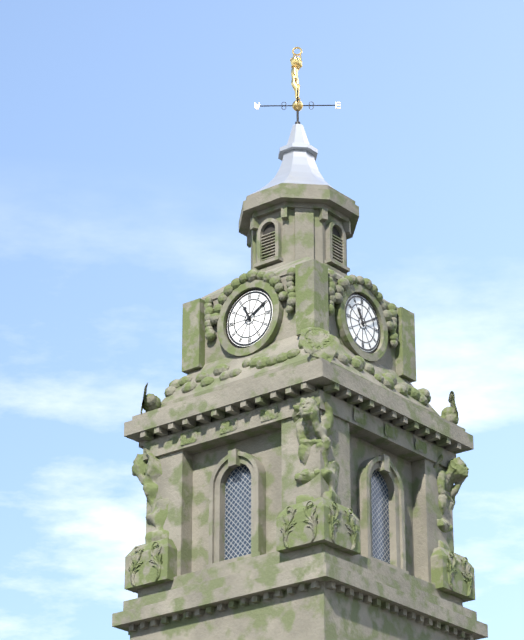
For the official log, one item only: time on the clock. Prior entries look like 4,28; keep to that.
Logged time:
11,10
